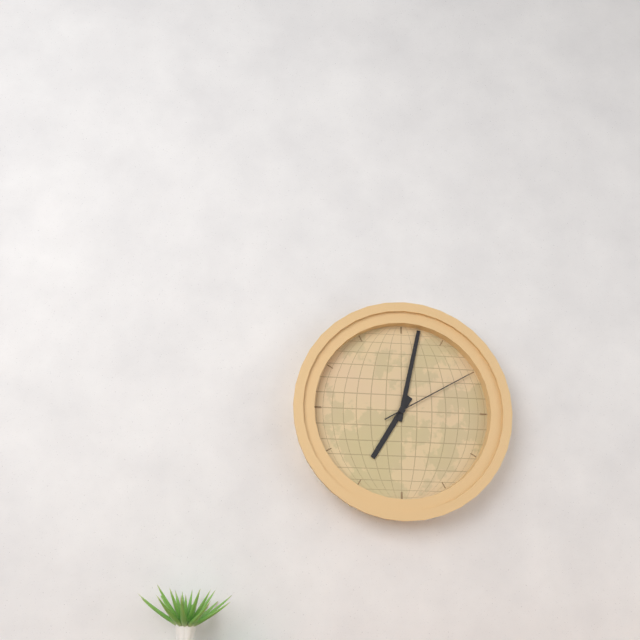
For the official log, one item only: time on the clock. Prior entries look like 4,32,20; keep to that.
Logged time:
7,02,10
